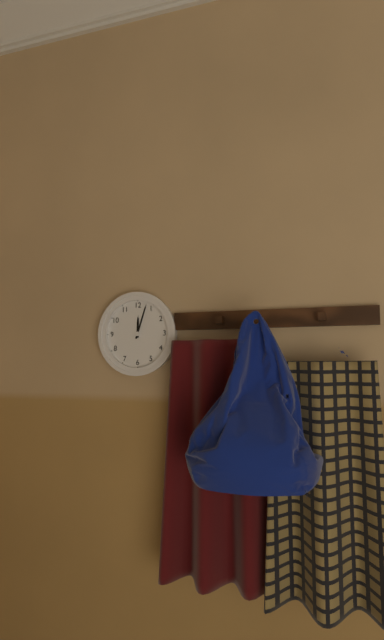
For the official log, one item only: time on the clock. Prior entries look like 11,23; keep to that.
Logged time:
12,03
